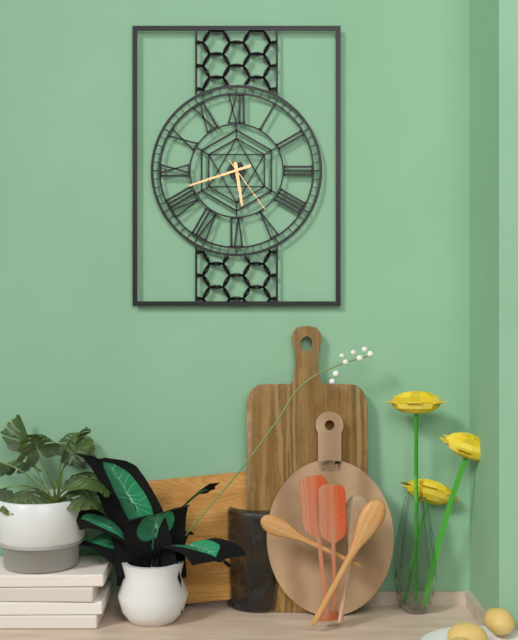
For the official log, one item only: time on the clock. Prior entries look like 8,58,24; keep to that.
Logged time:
5,42,24
